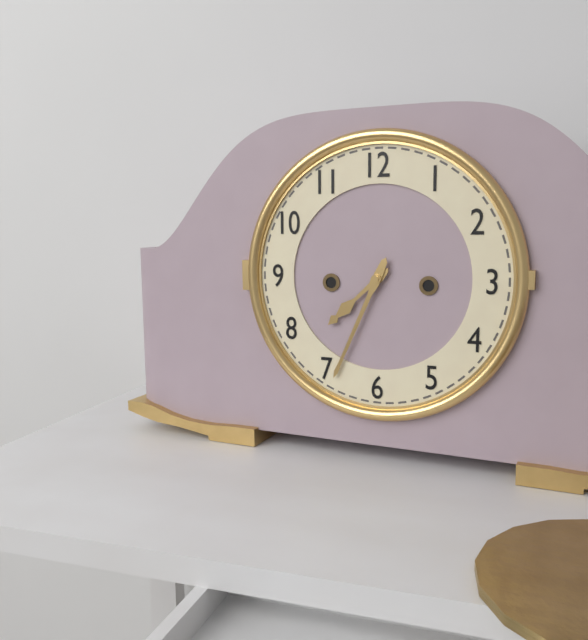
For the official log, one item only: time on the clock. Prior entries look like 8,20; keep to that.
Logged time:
7,34
